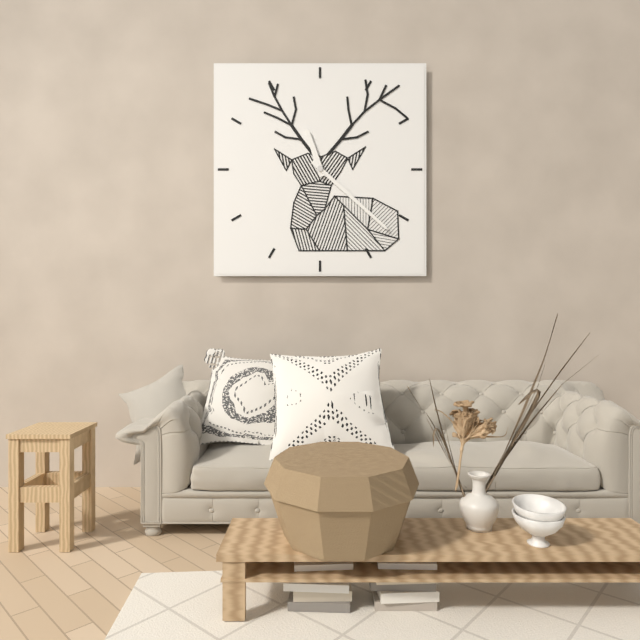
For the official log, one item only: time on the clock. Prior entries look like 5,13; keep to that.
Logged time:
11,22
